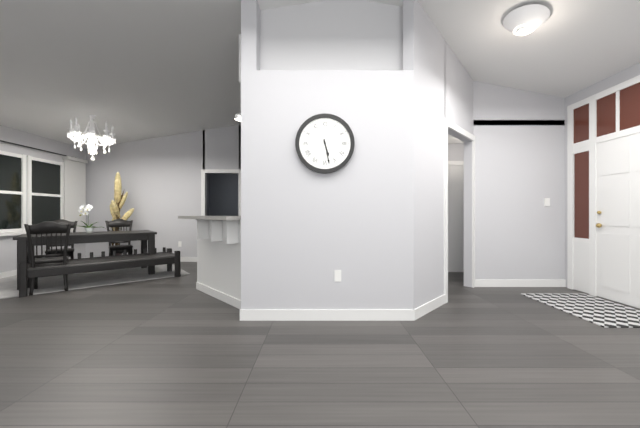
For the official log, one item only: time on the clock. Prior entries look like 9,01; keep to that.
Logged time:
5,28
